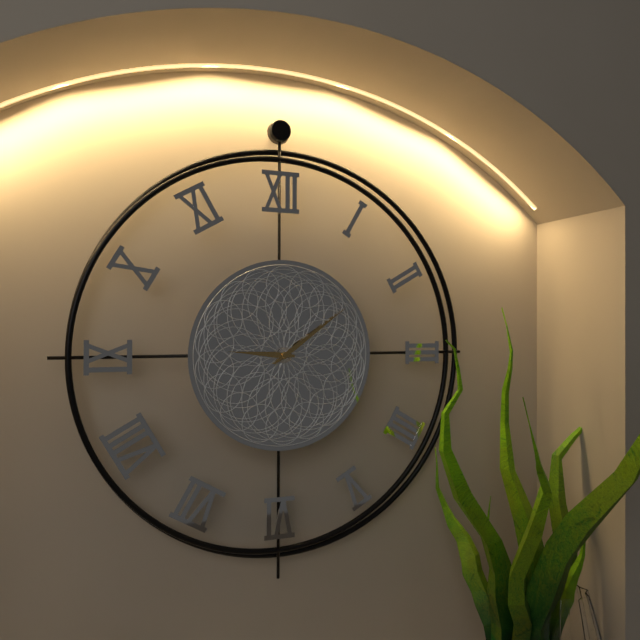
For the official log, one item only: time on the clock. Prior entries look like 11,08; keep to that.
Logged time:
9,09
